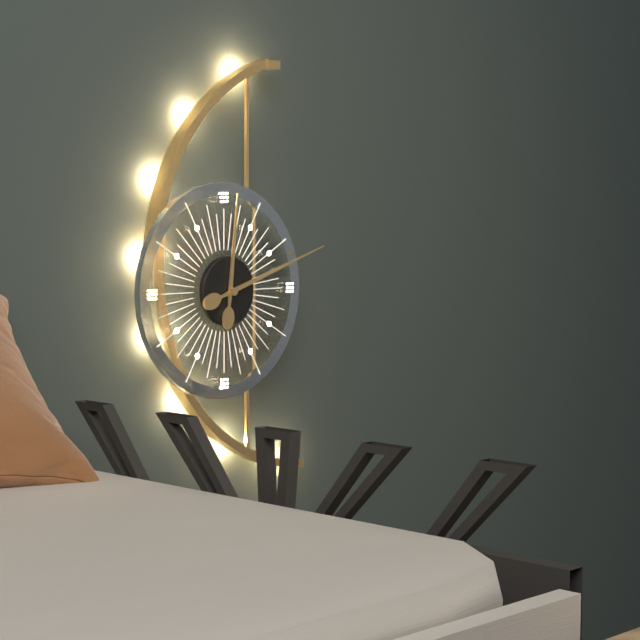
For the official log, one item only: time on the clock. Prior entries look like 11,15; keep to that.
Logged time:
12,12
